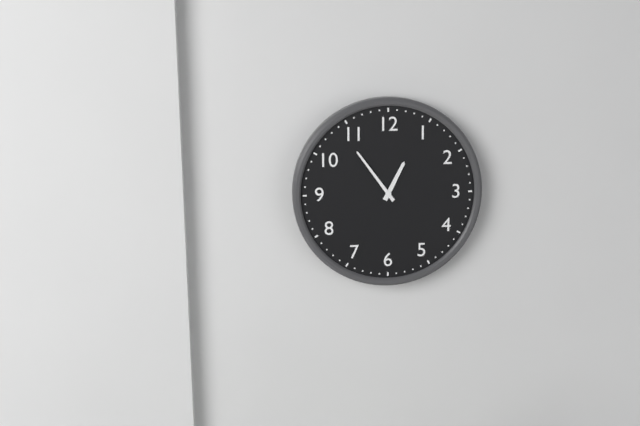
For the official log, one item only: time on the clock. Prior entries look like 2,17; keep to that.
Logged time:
12,54
